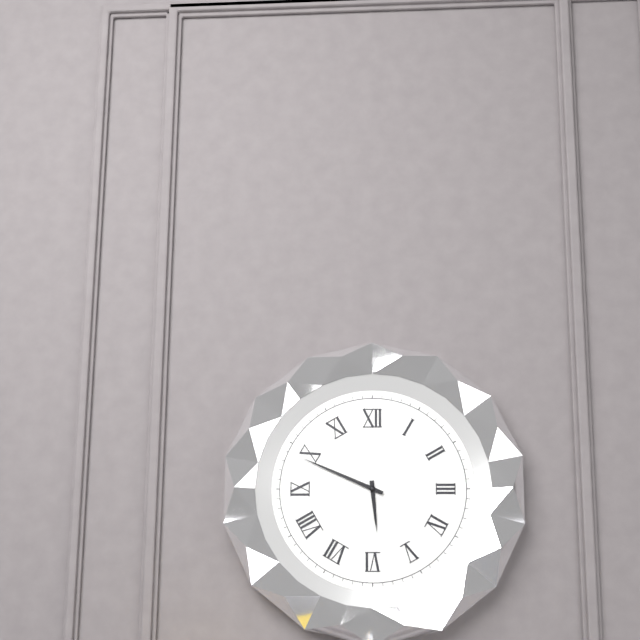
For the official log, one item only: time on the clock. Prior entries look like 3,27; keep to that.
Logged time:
5,49
